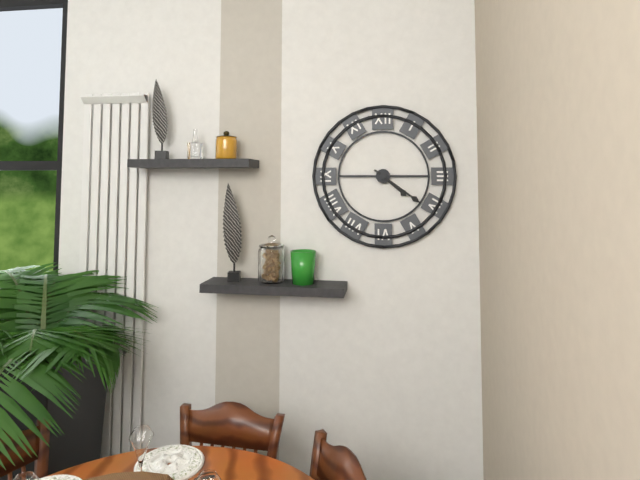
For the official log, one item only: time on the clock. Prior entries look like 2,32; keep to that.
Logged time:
4,21
